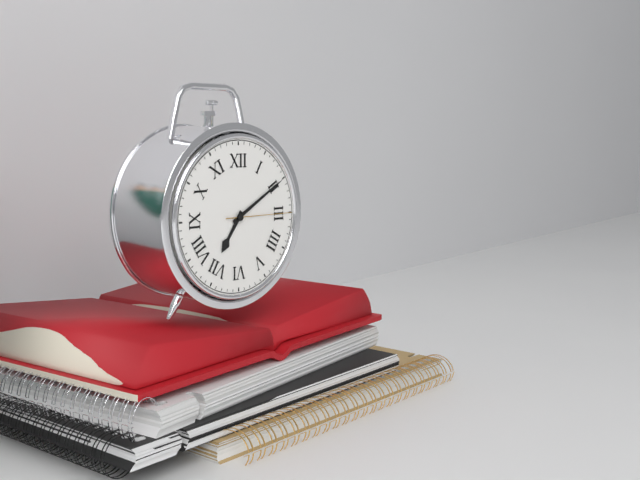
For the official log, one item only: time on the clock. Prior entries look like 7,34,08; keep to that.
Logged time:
7,10,15
